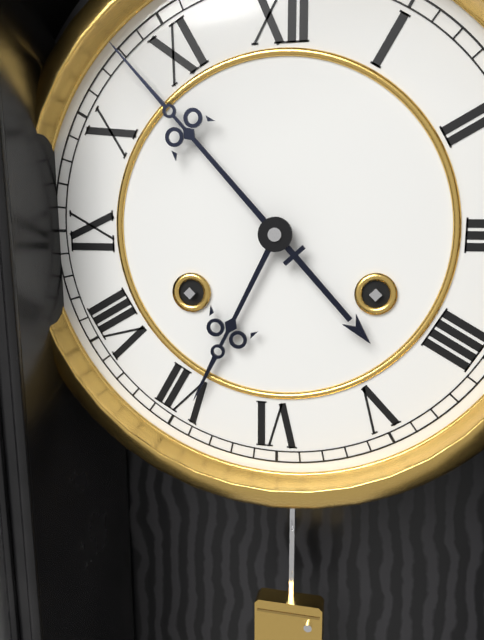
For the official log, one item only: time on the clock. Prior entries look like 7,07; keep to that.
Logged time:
6,53
